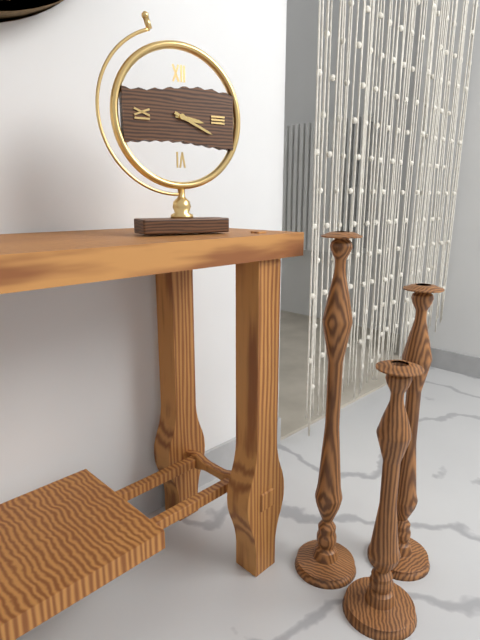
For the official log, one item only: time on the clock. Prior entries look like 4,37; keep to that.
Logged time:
3,19
